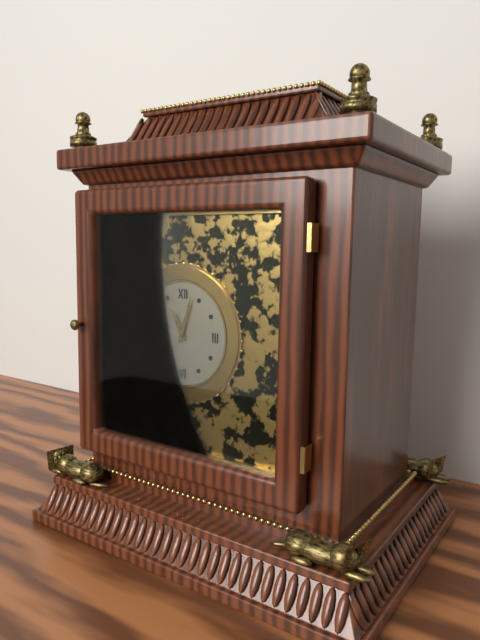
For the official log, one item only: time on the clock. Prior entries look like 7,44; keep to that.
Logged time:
11,03
